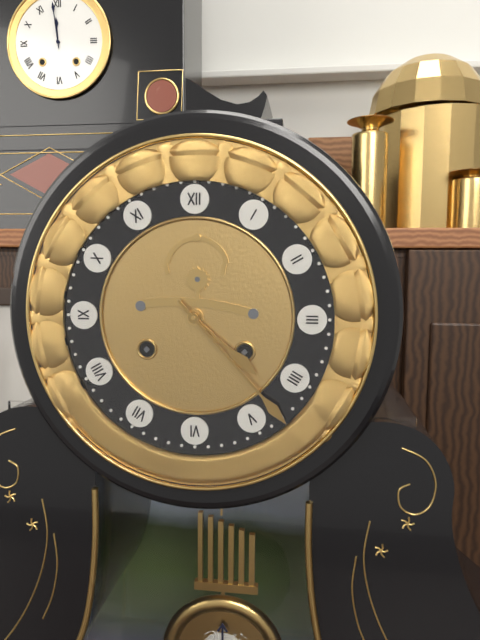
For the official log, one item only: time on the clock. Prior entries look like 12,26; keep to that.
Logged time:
4,23
